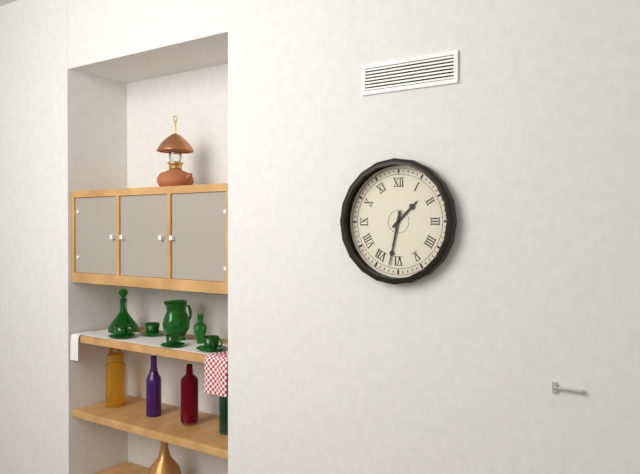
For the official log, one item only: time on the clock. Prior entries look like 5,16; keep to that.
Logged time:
1,32
